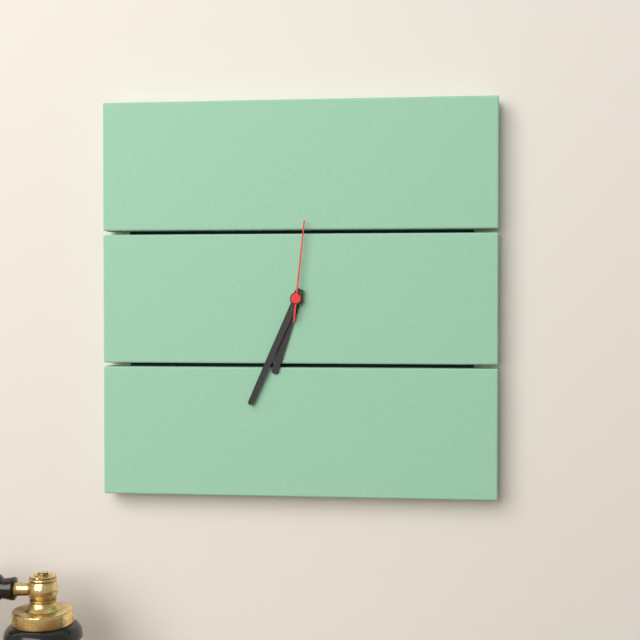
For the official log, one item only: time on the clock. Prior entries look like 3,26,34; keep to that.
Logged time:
6,34,01
